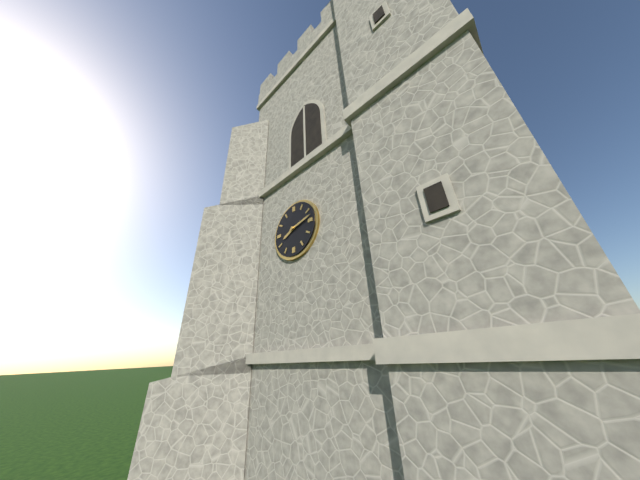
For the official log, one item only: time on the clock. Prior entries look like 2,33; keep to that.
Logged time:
8,13
